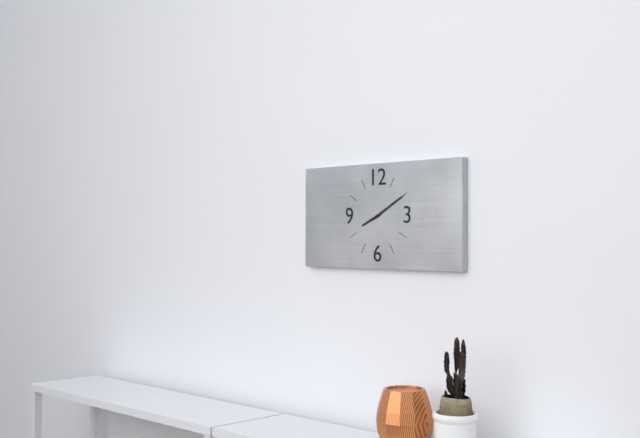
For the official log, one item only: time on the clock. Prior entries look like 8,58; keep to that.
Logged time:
8,10
